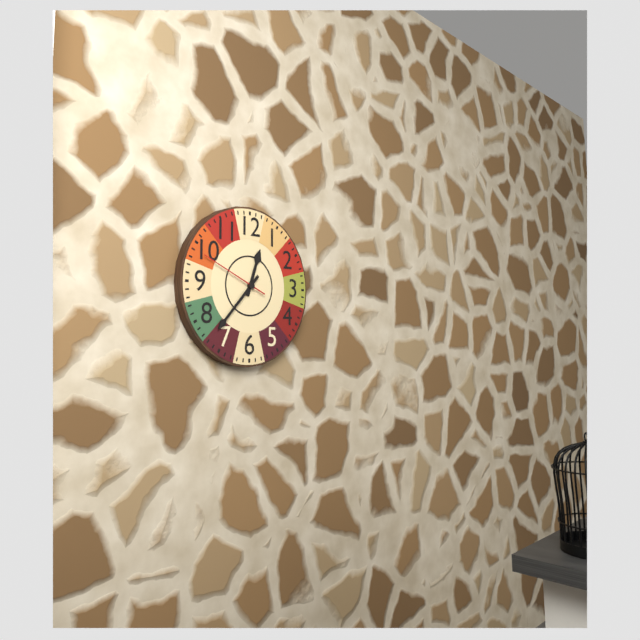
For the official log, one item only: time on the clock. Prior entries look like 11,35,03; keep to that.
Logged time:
12,37,49
